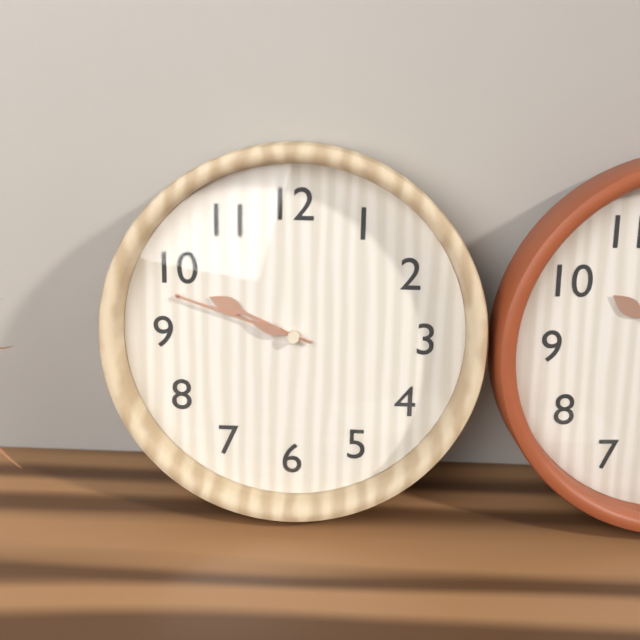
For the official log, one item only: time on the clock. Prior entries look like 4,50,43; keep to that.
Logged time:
9,48,48
